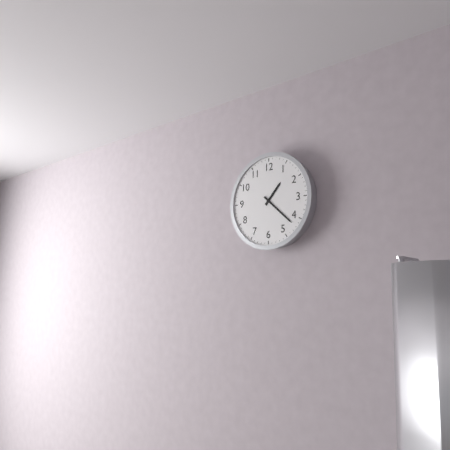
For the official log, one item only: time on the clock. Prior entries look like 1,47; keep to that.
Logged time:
1,22
